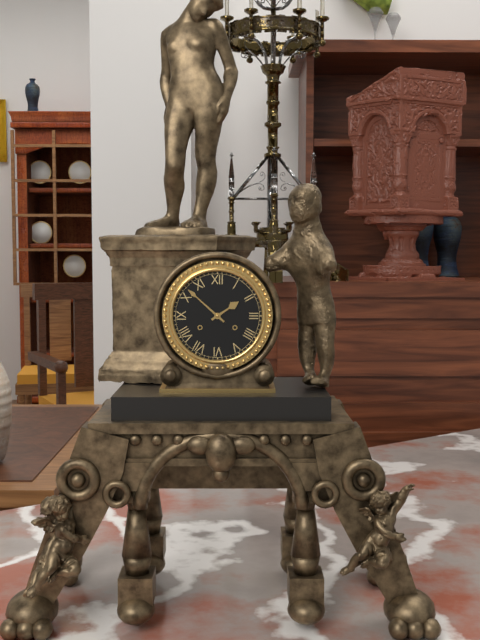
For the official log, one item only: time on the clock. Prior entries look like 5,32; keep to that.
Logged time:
1,52
